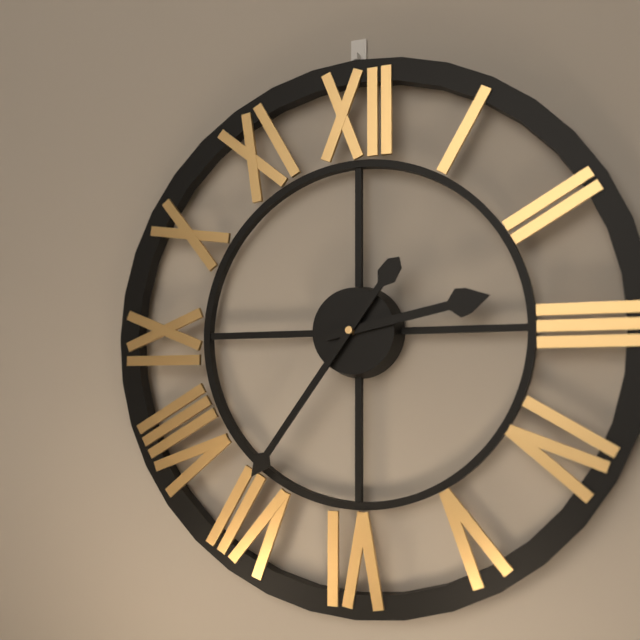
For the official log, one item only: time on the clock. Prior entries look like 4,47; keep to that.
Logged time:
2,36
